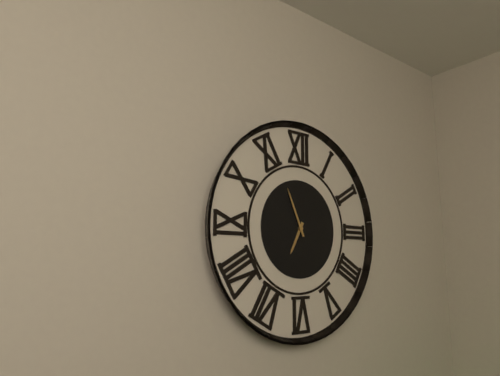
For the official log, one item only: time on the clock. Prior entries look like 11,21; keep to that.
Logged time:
6,56
